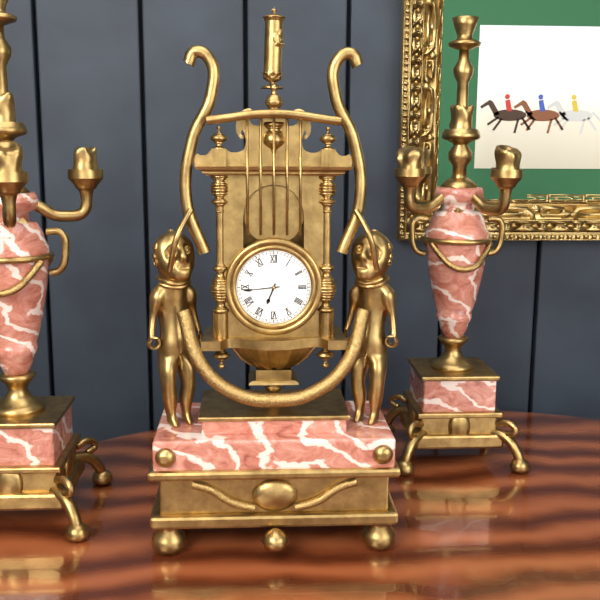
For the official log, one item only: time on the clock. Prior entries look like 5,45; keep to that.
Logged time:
6,44
